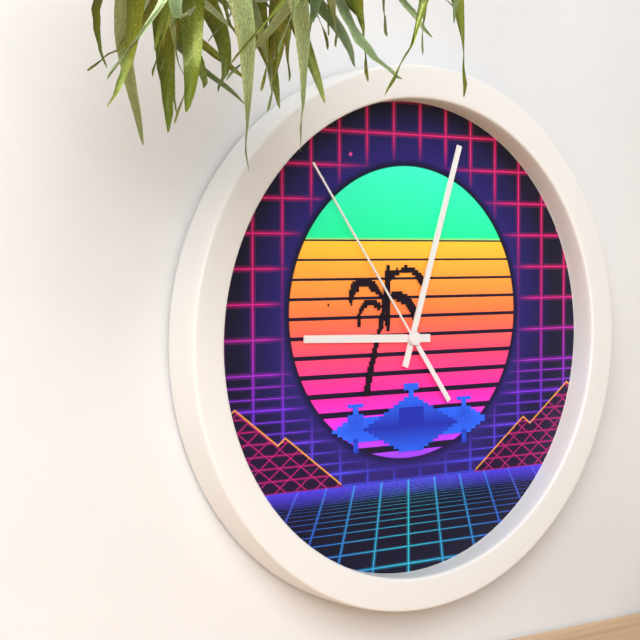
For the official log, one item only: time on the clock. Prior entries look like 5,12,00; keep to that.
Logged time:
9,03,54
